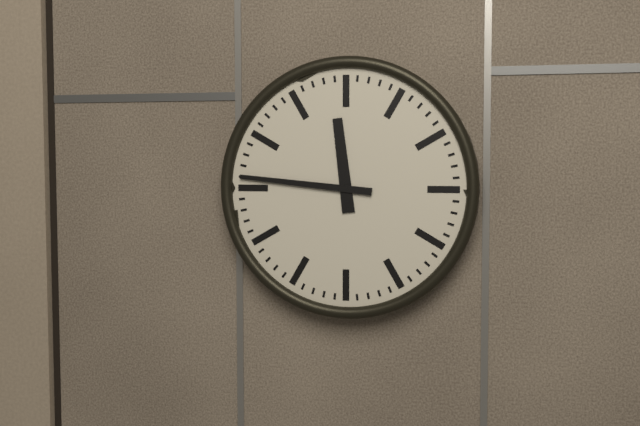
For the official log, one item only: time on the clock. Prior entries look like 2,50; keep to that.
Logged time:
11,46
